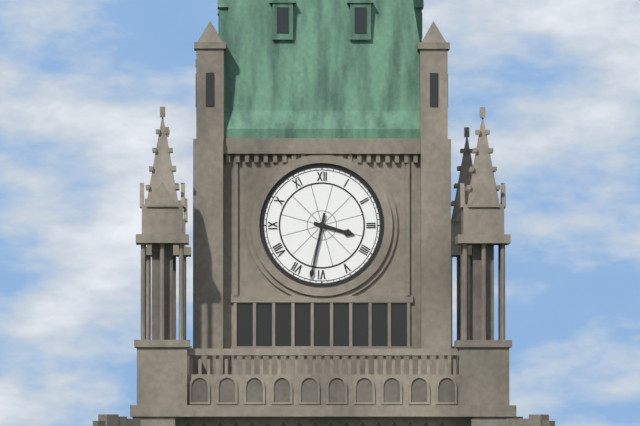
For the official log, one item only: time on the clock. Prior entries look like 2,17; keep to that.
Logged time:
3,32
